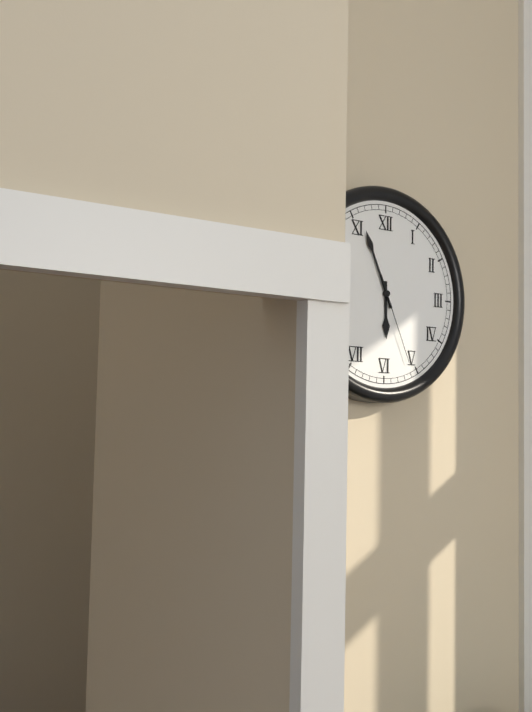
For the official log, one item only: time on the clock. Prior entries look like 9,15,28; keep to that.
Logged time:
5,56,26
